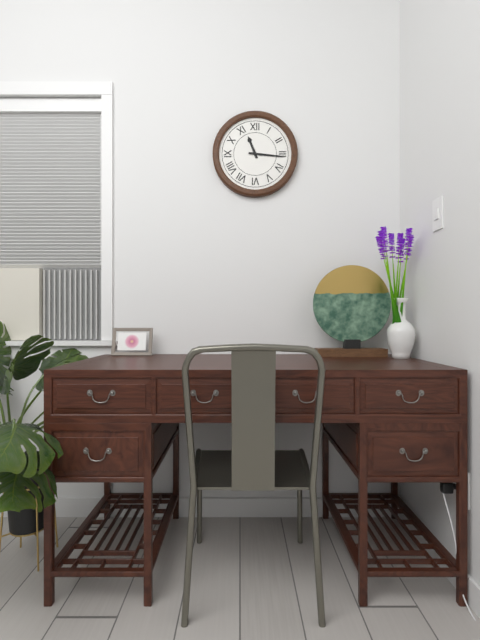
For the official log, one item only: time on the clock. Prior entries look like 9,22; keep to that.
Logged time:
11,16
